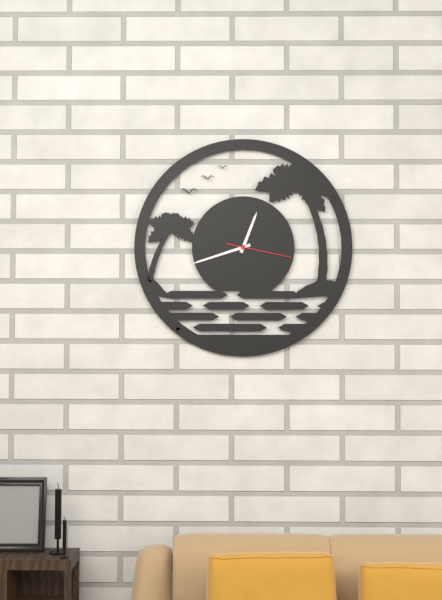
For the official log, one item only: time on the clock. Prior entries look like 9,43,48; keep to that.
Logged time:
12,42,17
